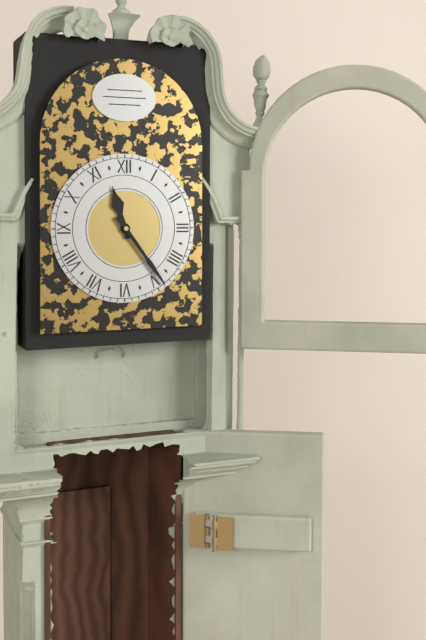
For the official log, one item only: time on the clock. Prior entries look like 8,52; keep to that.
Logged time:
11,24
